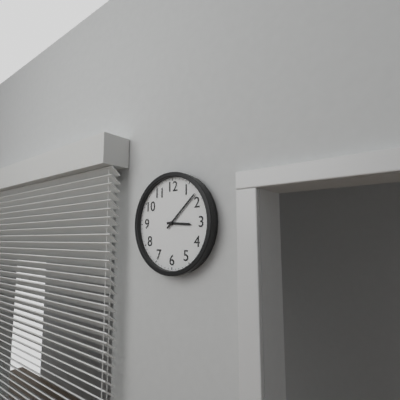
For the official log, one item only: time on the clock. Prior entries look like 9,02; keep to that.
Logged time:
3,08
